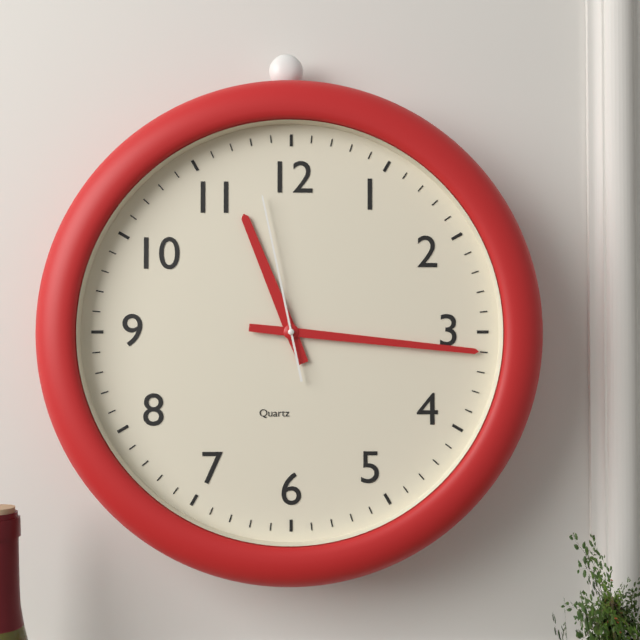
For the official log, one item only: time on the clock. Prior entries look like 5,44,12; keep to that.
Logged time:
11,16,58
